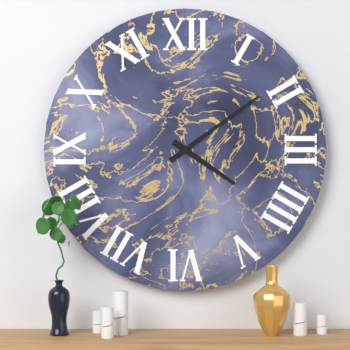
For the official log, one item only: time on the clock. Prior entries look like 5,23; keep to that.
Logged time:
4,09
